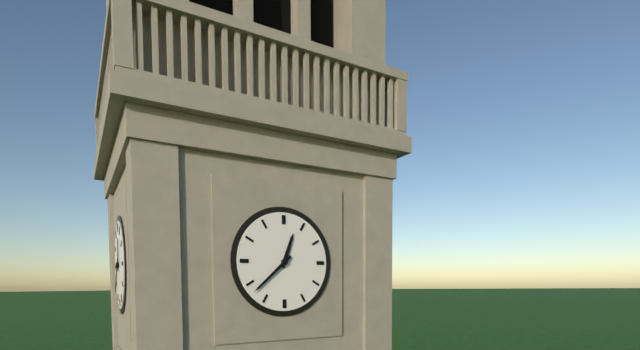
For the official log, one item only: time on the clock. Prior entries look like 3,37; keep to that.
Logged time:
12,38
